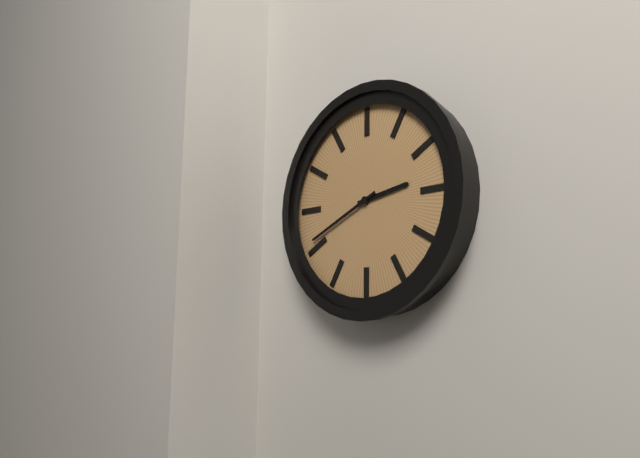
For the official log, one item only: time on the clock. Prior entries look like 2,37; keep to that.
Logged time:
2,41
